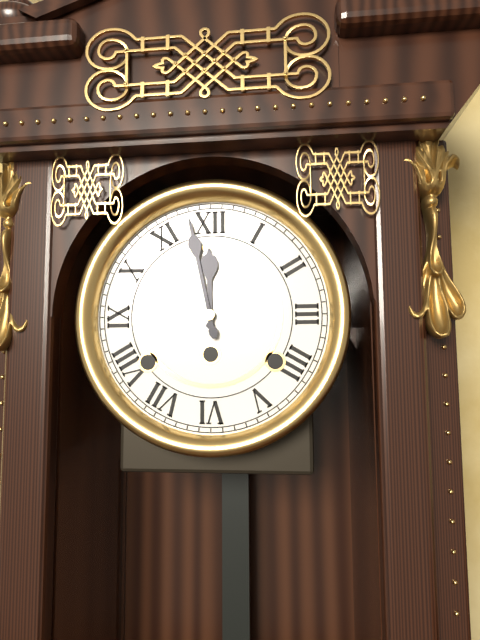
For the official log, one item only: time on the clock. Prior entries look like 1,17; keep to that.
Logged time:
11,58
